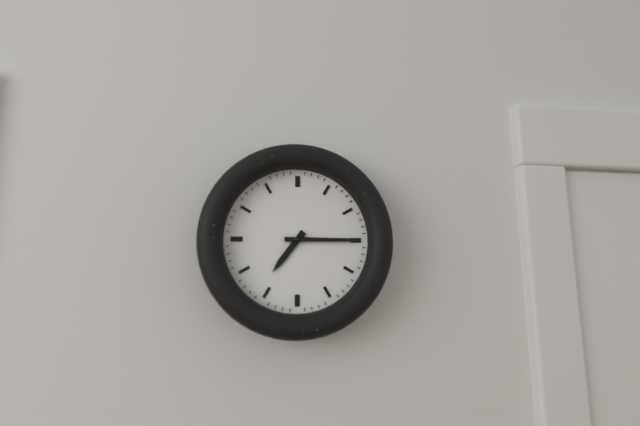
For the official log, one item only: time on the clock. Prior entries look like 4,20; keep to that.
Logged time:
7,15
